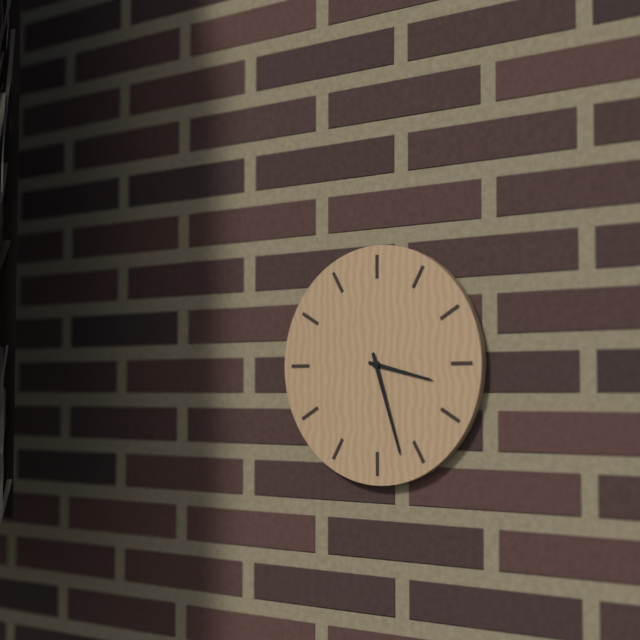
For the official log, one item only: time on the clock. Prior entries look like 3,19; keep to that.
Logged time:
3,27
